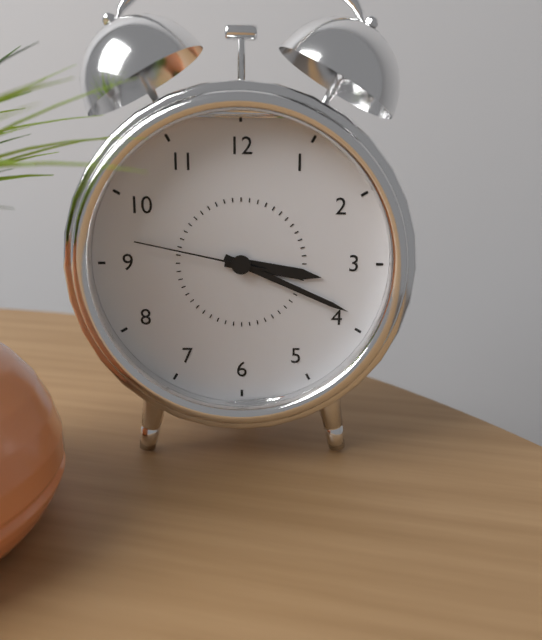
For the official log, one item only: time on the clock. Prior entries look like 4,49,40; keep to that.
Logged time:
3,19,47
